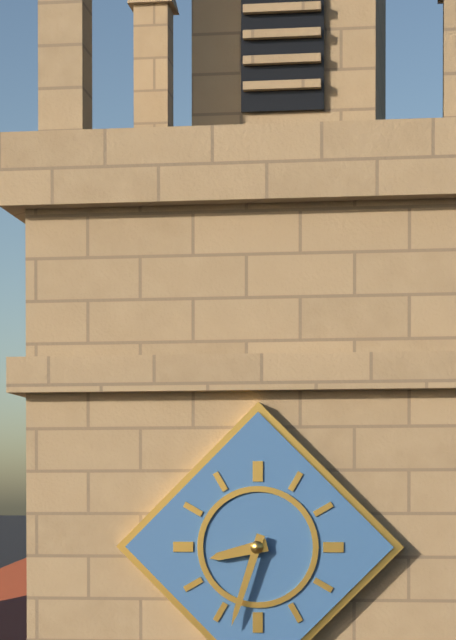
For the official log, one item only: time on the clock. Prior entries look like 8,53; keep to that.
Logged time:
8,33
